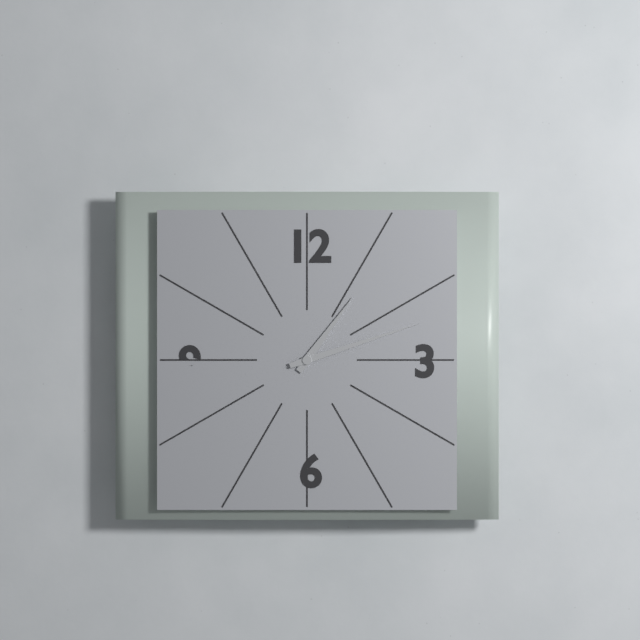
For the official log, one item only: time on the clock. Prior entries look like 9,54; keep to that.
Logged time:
1,12
